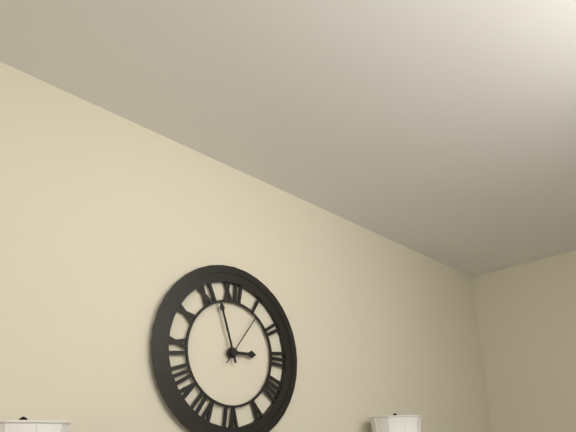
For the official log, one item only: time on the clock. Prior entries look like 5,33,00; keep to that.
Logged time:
2,57,06
